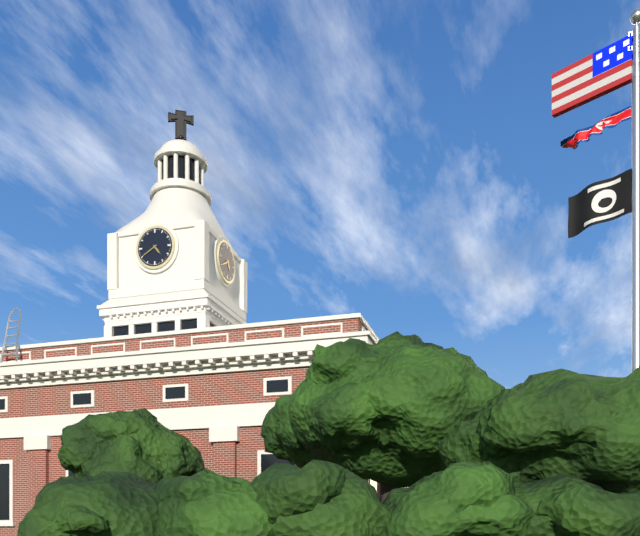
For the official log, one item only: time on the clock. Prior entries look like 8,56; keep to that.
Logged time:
4,40
